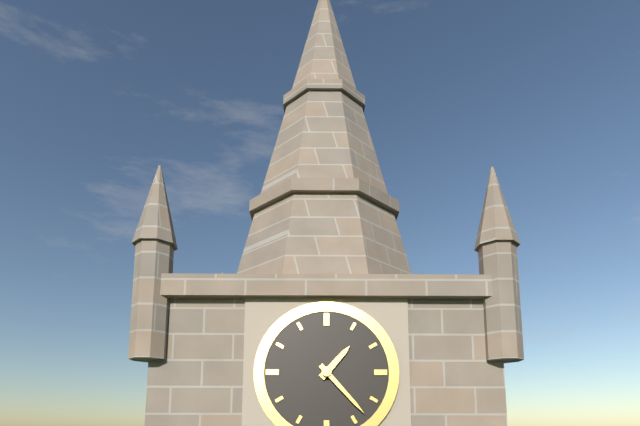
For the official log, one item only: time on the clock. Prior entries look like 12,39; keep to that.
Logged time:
1,23
